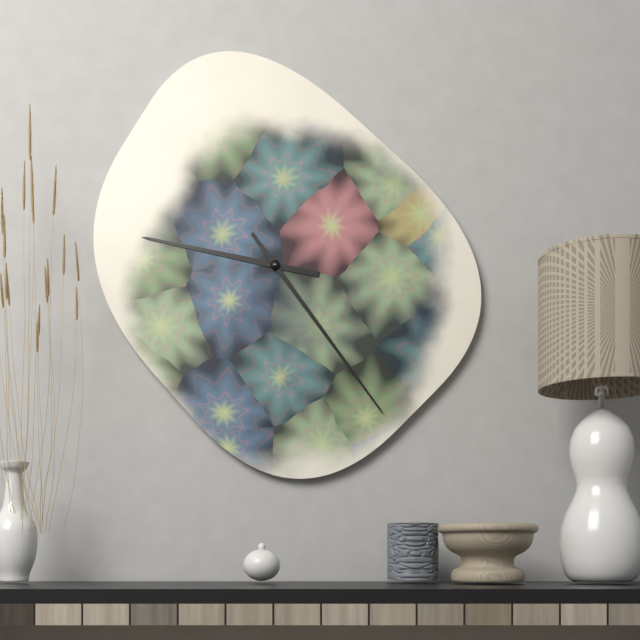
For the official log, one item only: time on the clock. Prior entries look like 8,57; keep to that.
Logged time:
9,24
